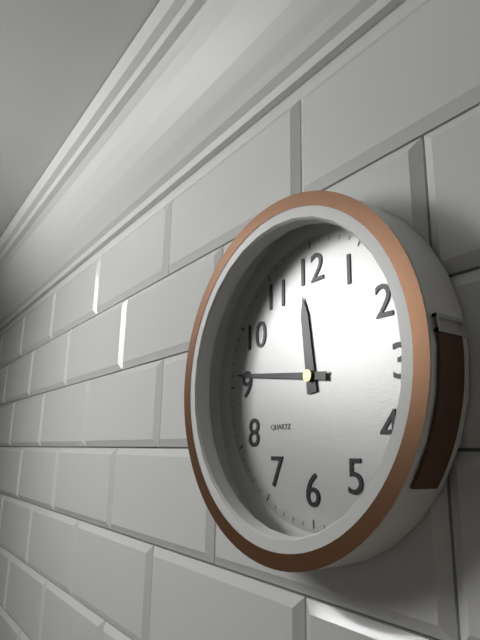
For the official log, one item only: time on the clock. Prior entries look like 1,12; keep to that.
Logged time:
11,46
